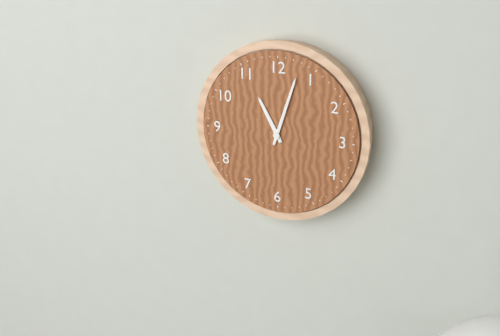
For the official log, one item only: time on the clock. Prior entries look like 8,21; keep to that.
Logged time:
11,03
